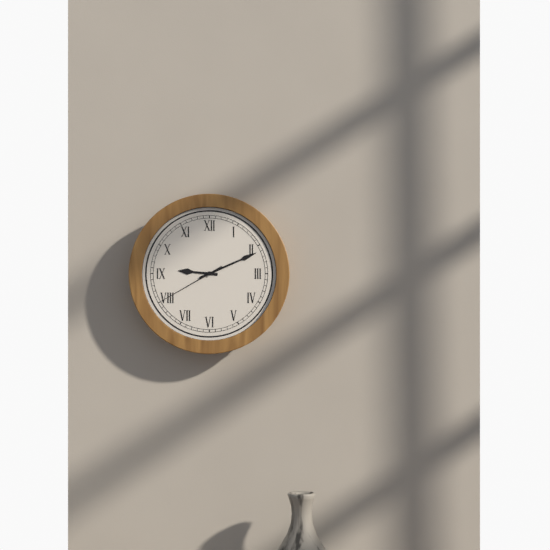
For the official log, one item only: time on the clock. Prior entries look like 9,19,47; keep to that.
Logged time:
9,11,40
